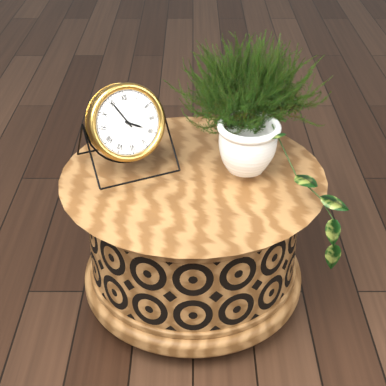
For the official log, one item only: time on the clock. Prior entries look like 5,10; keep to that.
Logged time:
3,55
